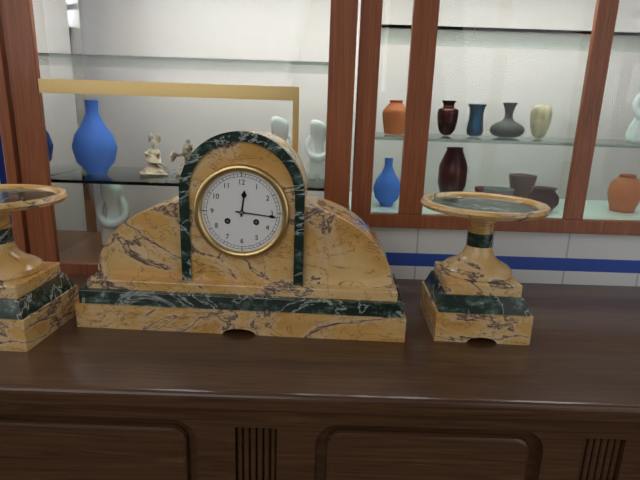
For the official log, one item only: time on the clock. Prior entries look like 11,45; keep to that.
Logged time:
12,16
